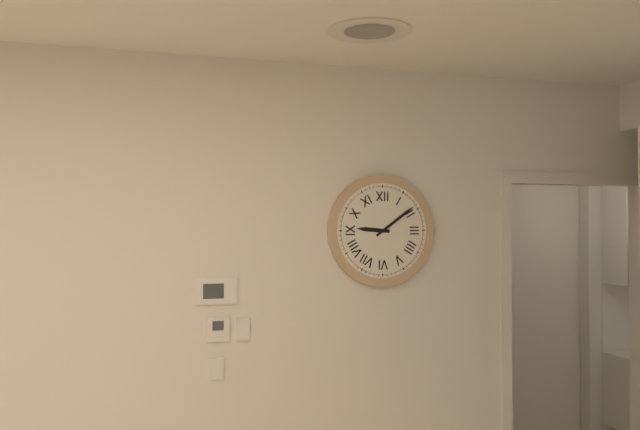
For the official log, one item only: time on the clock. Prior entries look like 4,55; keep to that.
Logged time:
9,09
